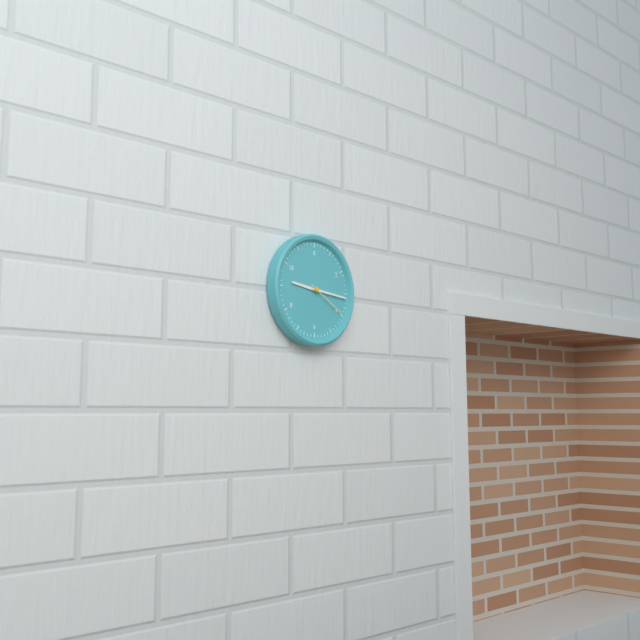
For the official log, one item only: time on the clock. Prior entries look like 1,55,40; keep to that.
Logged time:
9,16,20
